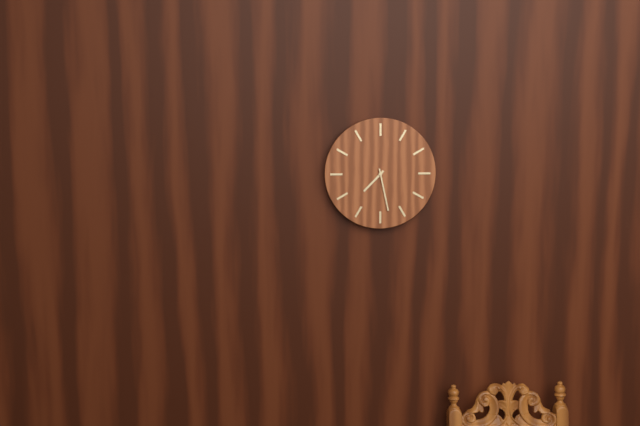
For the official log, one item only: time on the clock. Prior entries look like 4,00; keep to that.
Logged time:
7,28
